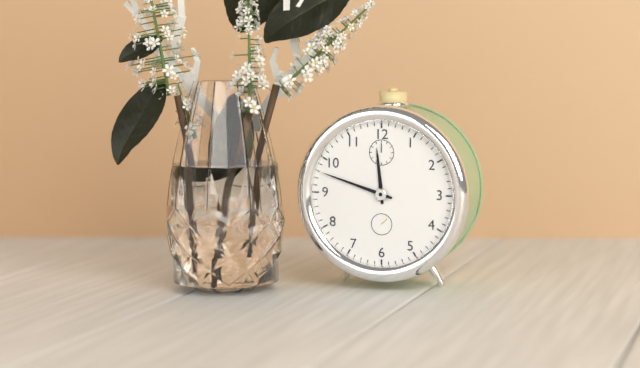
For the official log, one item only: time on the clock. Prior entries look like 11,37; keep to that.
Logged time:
11,48
